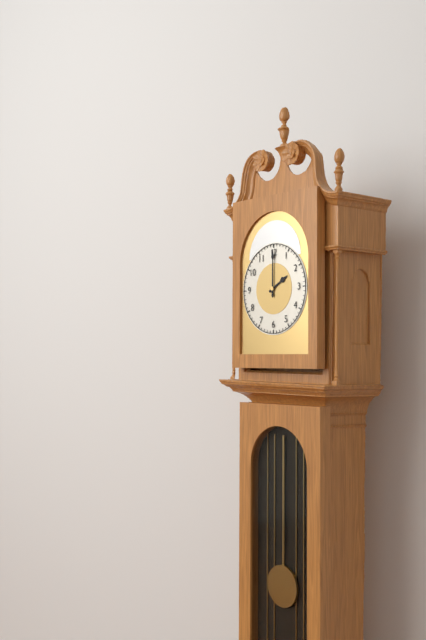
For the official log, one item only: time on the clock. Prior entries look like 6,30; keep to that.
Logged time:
2,00
